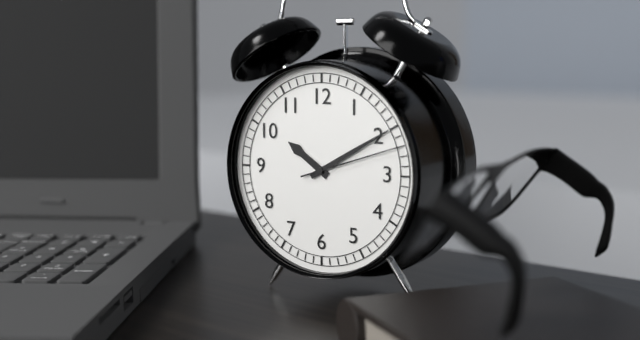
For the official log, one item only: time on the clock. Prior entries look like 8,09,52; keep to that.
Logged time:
10,10,12
